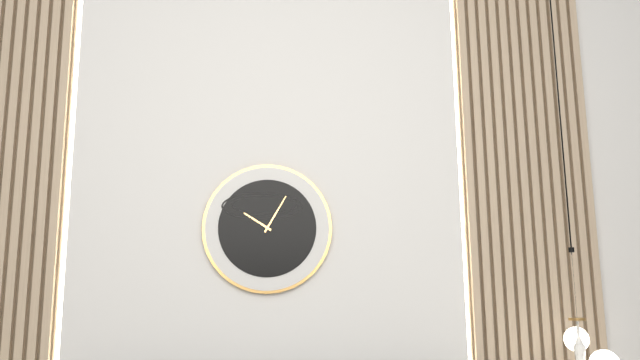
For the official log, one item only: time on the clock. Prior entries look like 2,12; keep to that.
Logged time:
10,05
